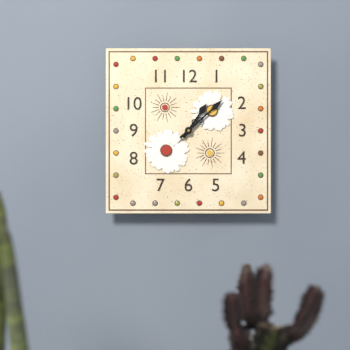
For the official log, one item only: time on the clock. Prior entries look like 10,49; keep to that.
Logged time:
1,08
